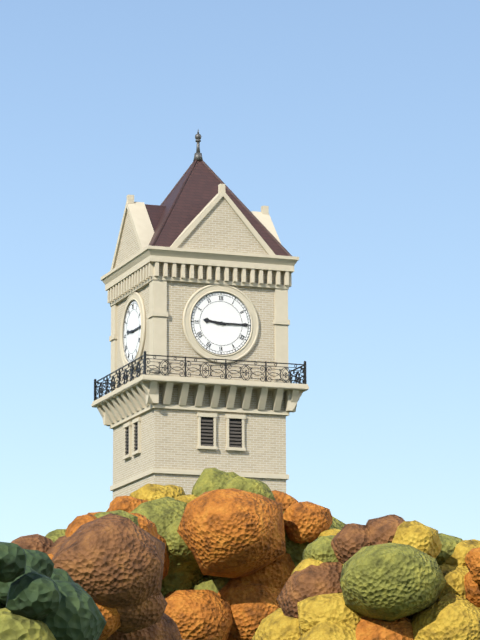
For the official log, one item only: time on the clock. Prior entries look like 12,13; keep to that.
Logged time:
9,15
